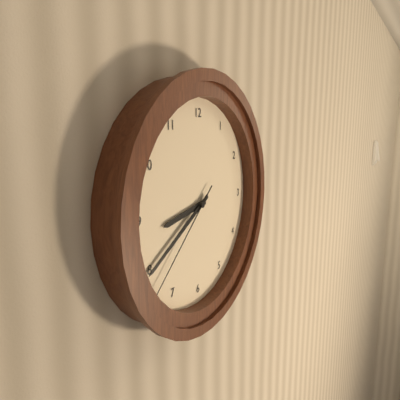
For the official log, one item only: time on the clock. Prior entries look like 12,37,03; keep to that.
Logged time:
8,40,38
